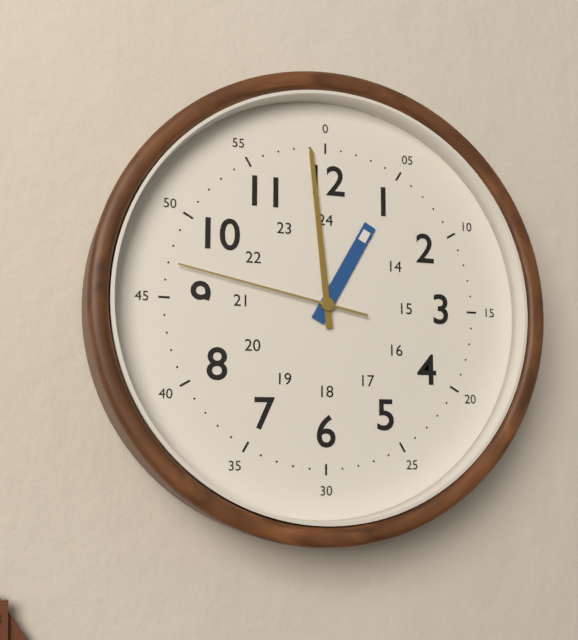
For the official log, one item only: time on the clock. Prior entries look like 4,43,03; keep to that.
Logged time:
12,59,47
